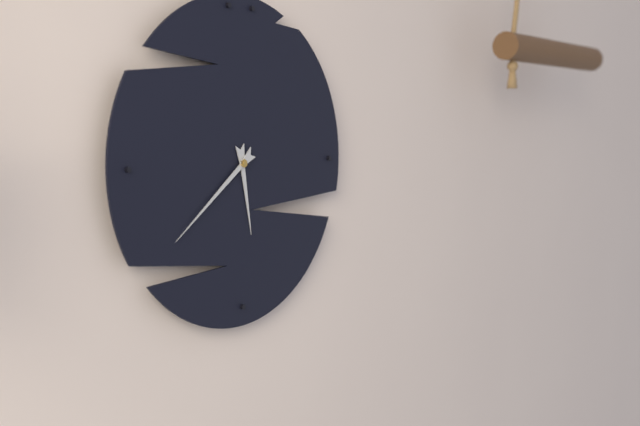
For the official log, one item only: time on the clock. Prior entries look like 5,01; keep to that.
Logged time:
5,39
